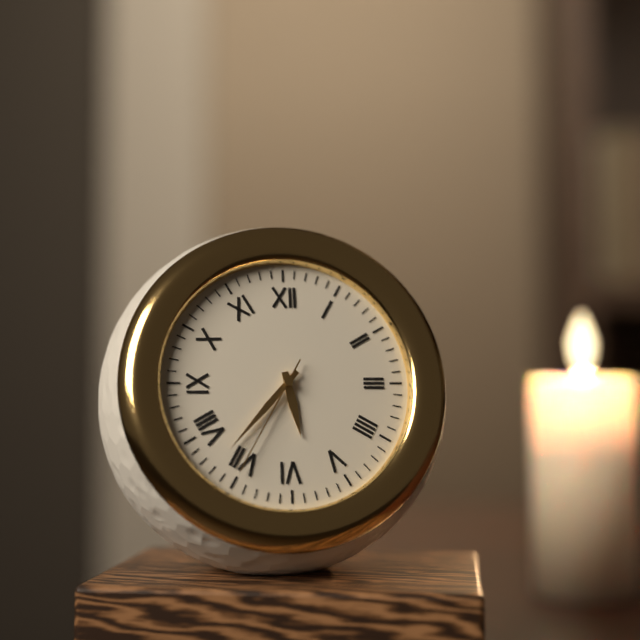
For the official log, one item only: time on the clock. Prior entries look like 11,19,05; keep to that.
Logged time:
5,37,35
